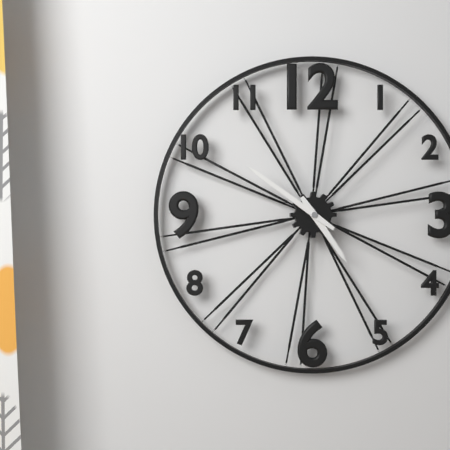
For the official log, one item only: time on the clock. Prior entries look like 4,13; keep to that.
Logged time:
4,51
